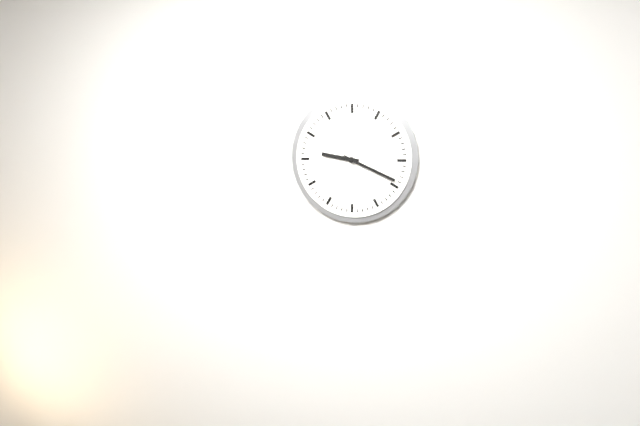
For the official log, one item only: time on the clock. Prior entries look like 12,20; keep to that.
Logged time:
9,19
